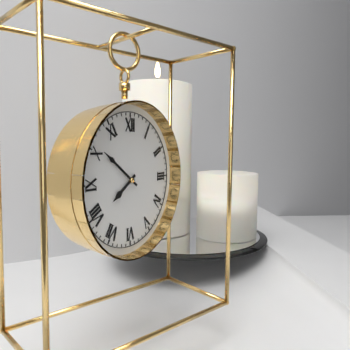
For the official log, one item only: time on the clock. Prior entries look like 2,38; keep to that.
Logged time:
7,51
